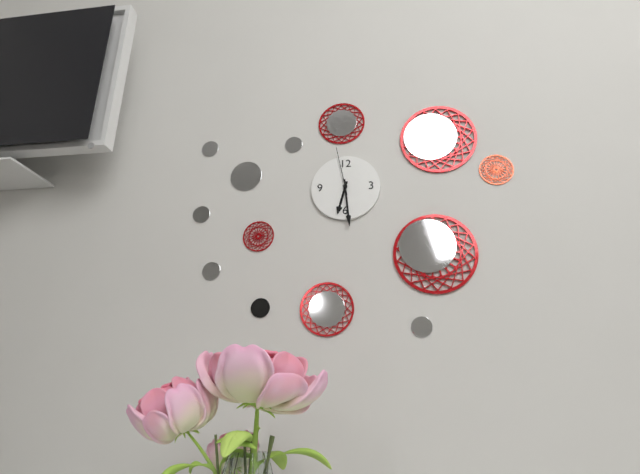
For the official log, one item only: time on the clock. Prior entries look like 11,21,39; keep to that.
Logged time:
6,29,58
